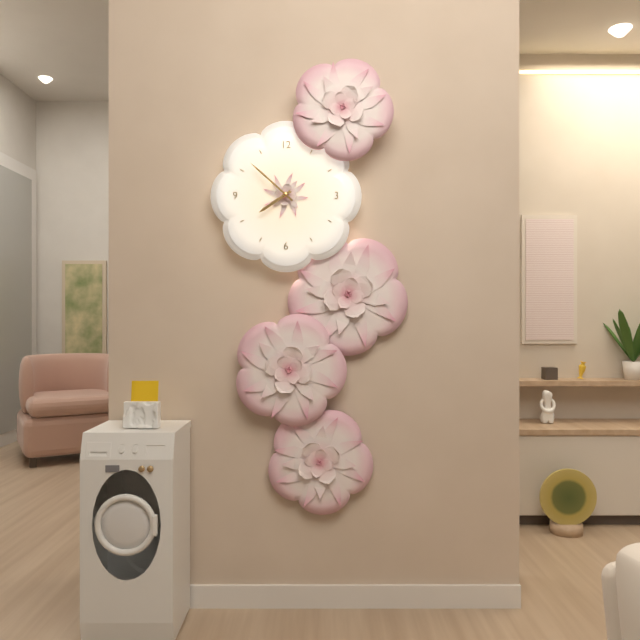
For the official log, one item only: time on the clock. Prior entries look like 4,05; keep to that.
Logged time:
7,52
